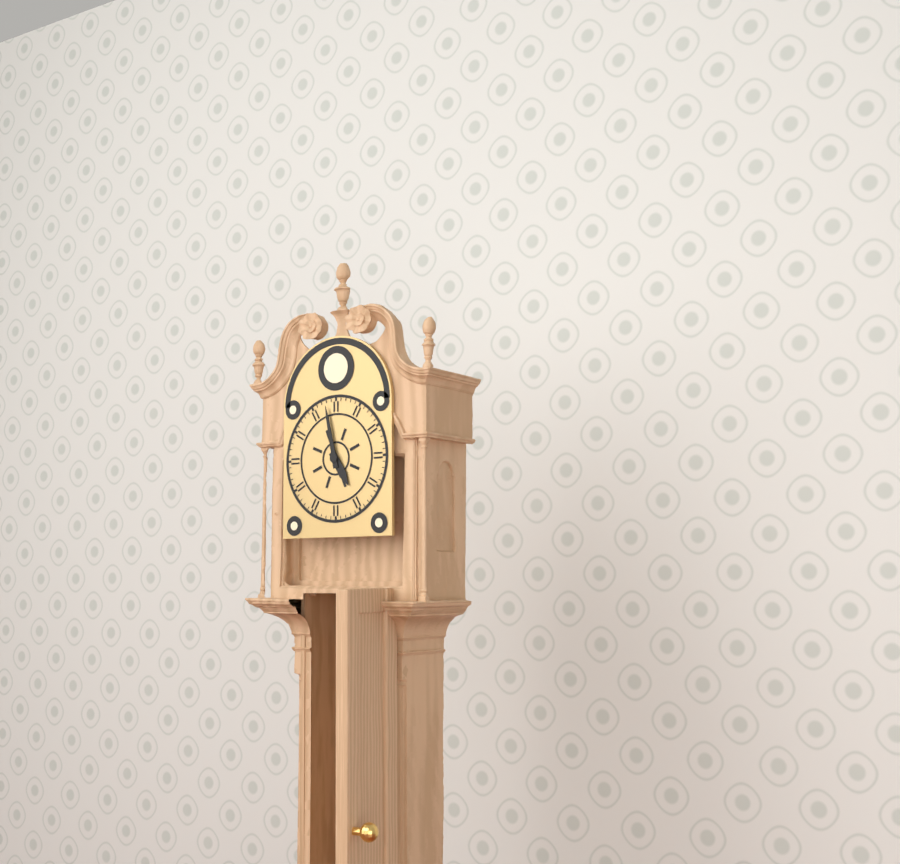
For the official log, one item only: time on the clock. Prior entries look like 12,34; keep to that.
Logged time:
4,58
